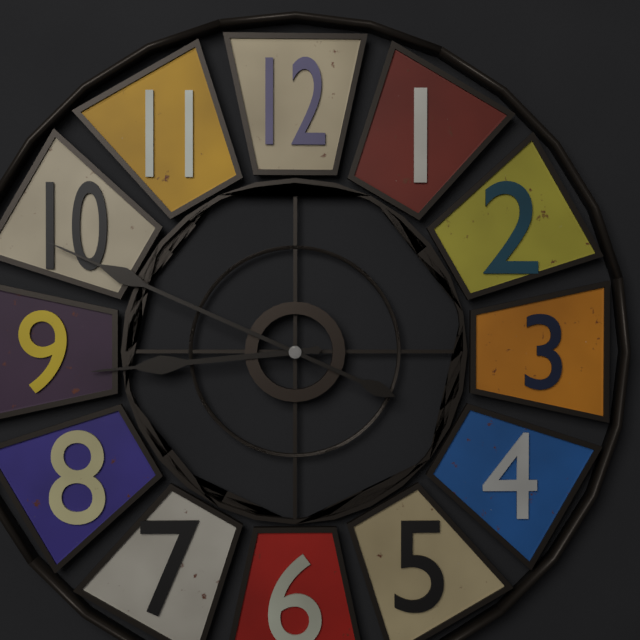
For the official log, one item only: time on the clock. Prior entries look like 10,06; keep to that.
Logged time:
8,49
